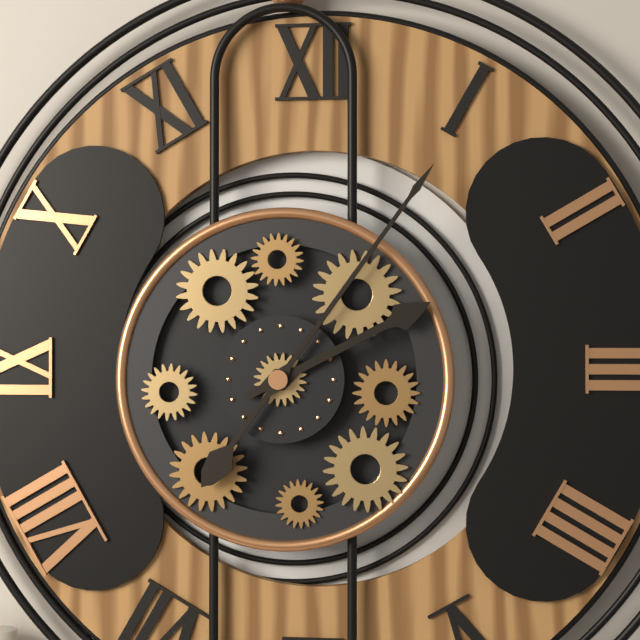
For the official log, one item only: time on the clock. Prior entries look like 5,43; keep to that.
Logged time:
2,06
